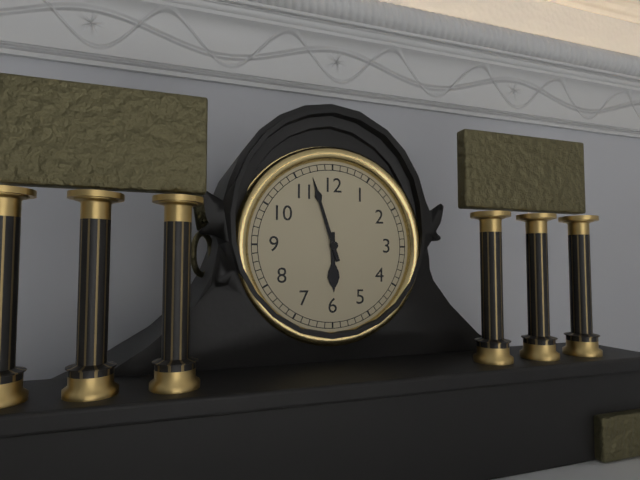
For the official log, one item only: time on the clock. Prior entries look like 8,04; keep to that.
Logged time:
5,57
